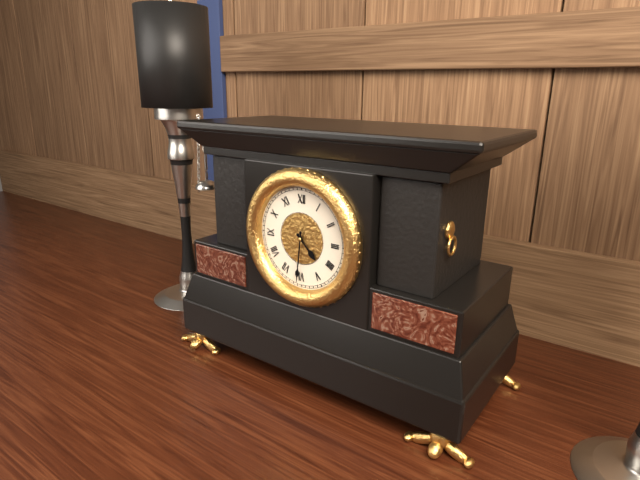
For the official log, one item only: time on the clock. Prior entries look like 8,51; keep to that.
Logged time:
4,31
